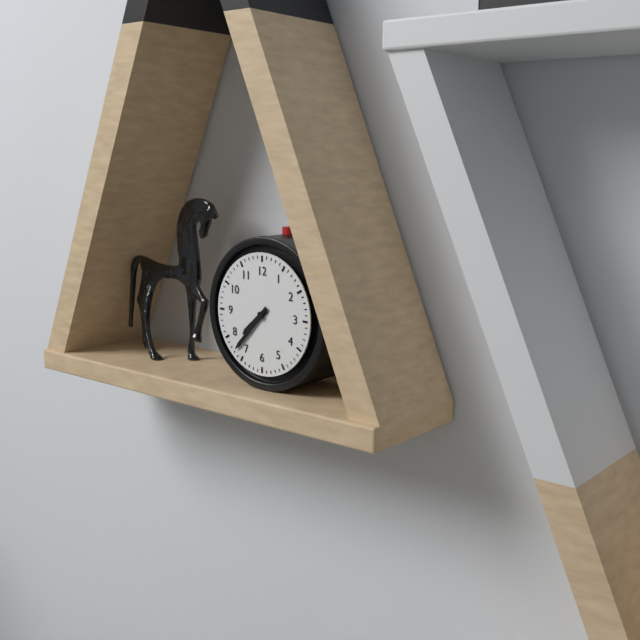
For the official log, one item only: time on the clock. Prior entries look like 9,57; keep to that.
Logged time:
7,37
